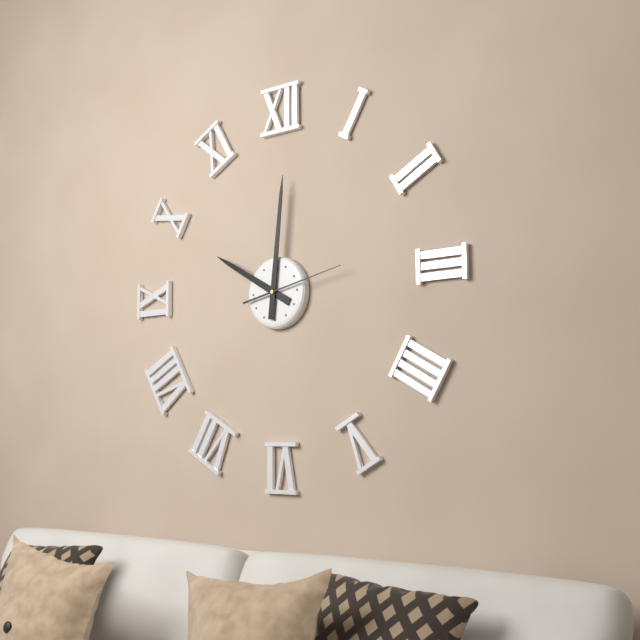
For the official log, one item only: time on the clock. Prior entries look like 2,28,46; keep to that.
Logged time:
10,01,13
